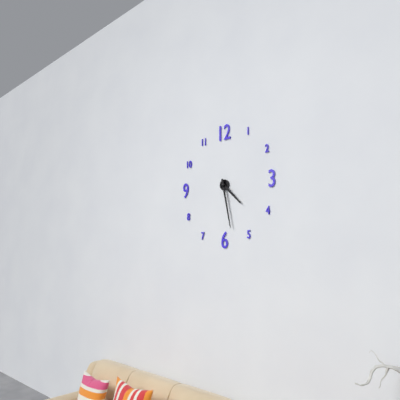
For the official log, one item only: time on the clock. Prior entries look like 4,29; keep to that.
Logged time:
4,28
